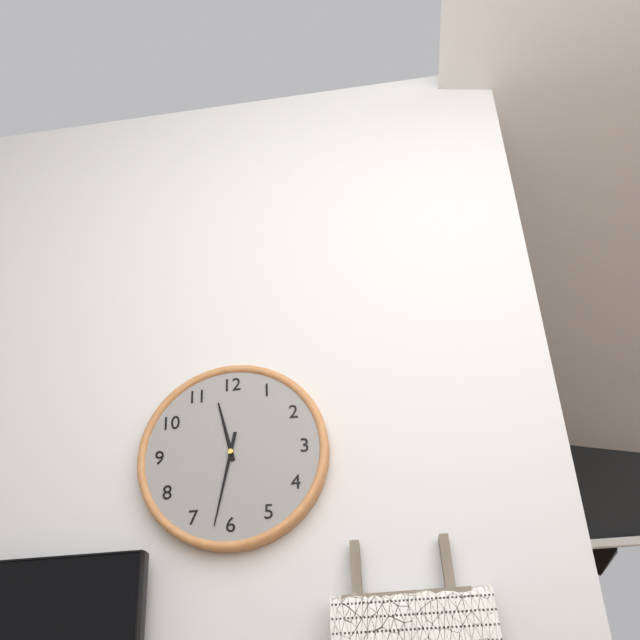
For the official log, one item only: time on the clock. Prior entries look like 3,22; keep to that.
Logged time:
11,32
